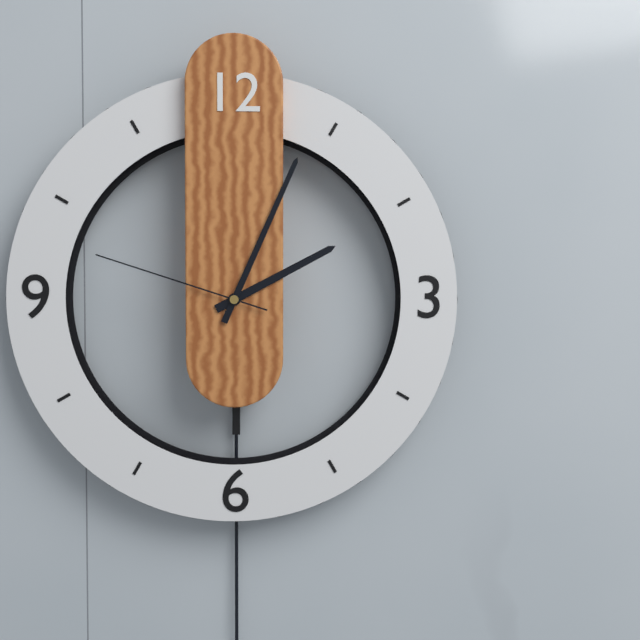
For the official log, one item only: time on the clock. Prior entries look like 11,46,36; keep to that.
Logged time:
2,04,48
